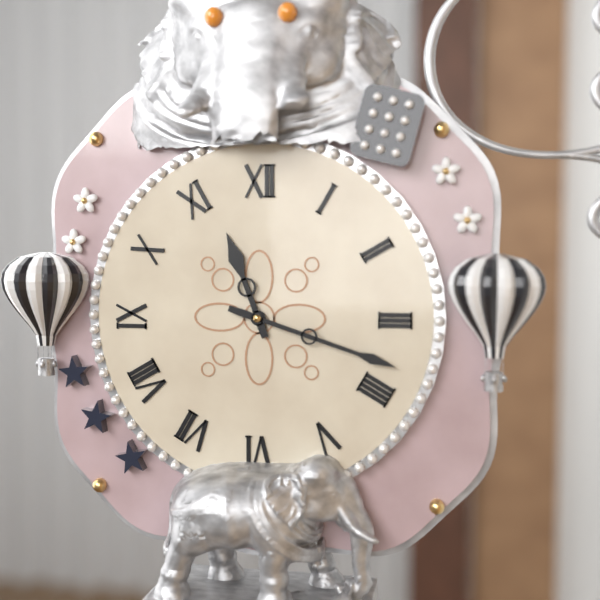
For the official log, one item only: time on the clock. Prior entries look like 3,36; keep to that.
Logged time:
11,18
